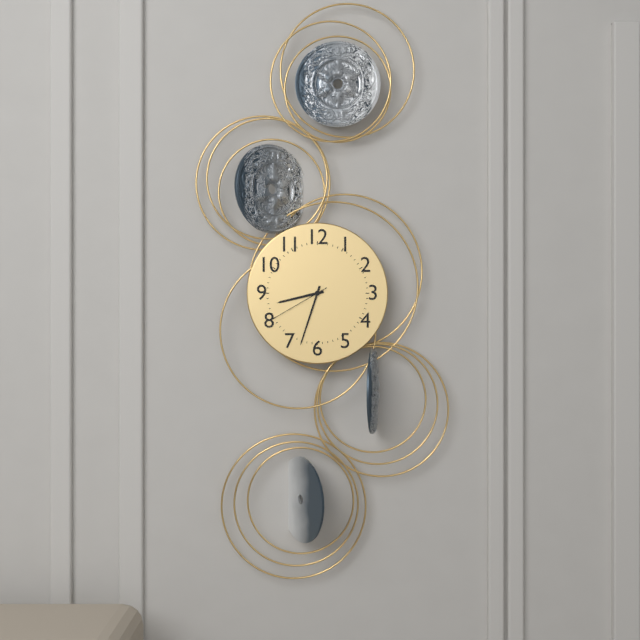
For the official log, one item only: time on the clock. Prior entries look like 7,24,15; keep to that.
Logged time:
8,33,40
